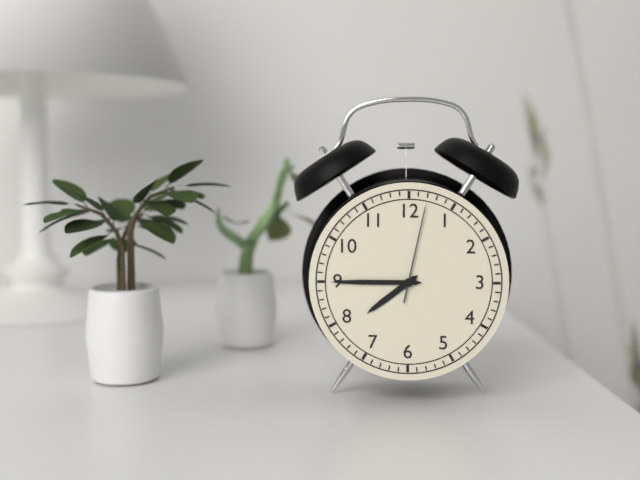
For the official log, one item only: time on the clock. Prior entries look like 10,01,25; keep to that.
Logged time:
7,45,02
